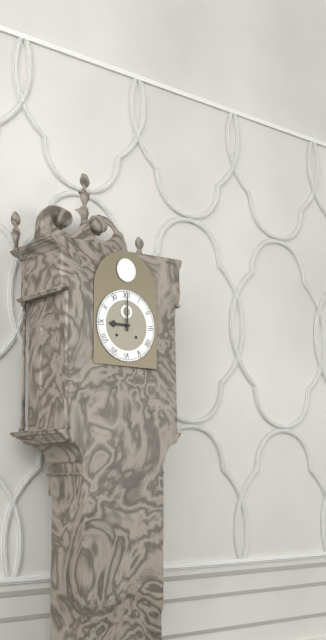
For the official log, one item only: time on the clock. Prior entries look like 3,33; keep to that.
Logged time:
9,00
